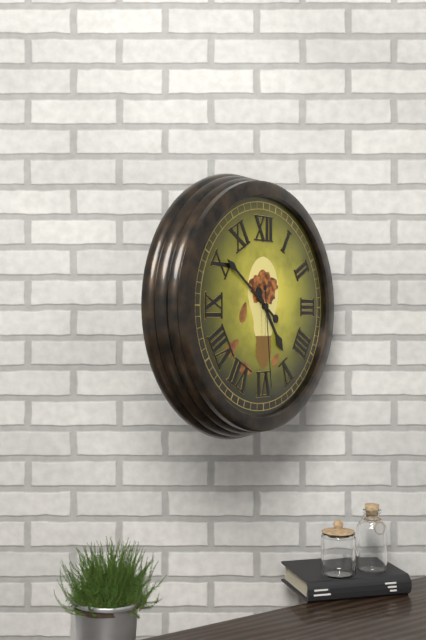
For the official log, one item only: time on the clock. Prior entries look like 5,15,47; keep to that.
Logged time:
4,51,29
